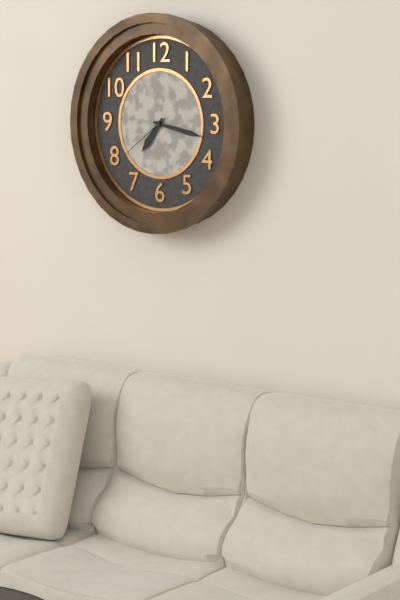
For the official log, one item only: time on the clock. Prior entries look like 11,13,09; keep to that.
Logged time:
7,17,39
